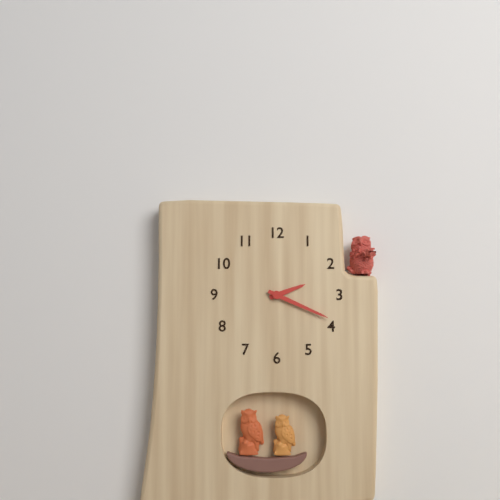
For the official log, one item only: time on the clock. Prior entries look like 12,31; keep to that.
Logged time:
2,19
